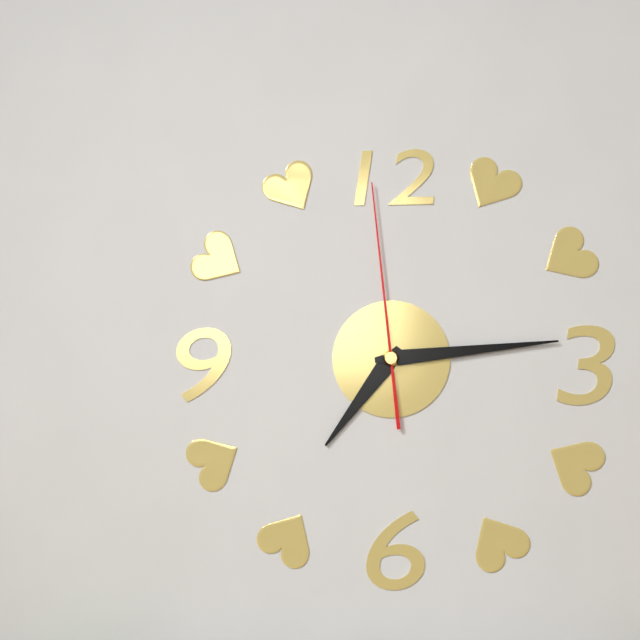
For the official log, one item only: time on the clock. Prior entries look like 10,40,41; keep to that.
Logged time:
7,14,59
